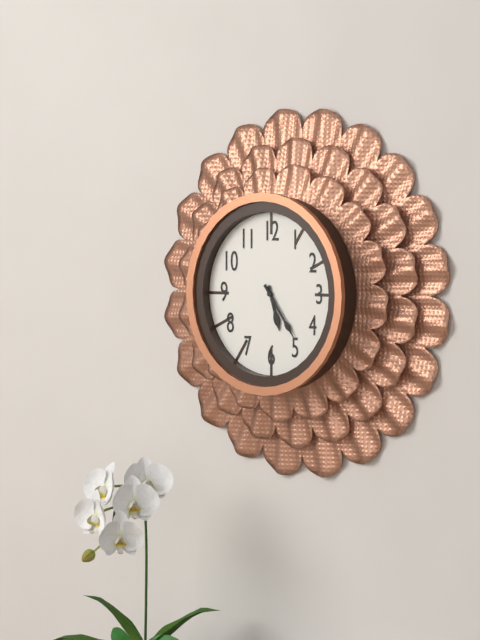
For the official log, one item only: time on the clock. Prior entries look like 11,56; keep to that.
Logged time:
5,24
